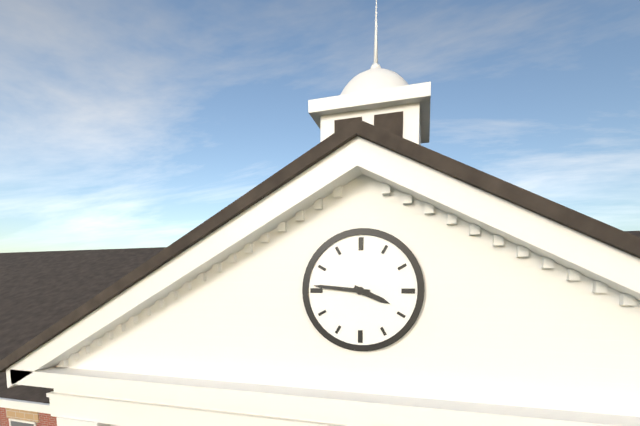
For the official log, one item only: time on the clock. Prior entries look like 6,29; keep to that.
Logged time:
3,46
